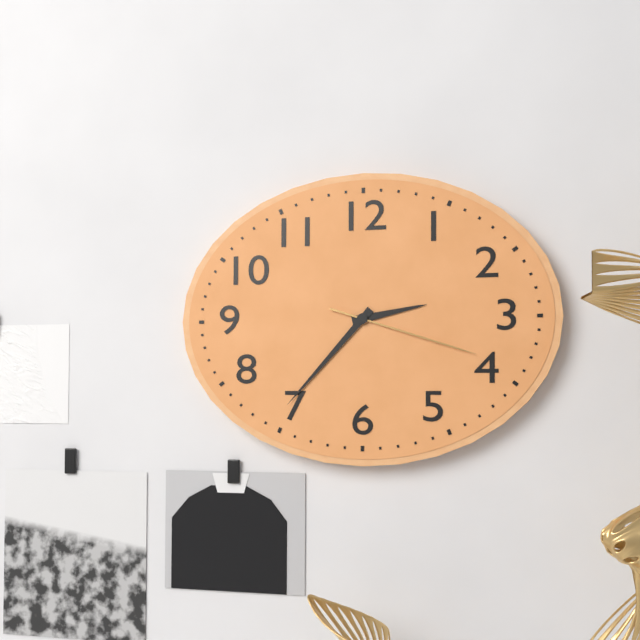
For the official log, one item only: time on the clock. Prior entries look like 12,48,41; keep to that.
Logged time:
2,37,18
